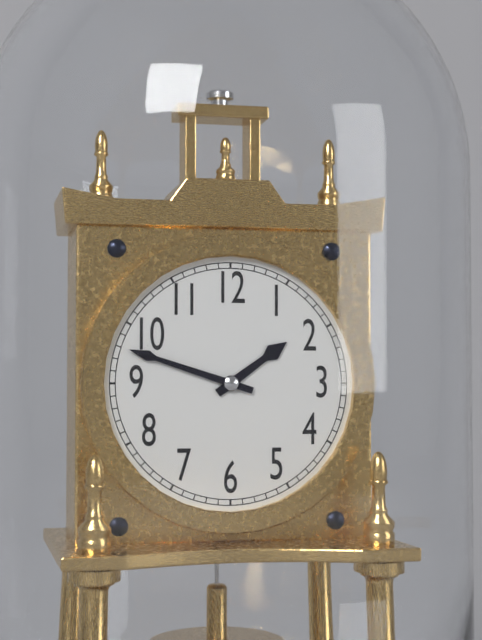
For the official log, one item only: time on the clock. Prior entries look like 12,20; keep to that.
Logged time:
1,48
